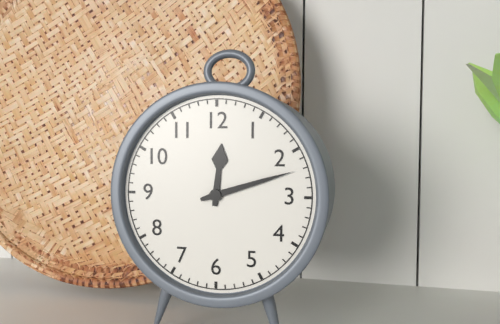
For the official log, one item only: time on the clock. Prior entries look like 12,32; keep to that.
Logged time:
12,12
